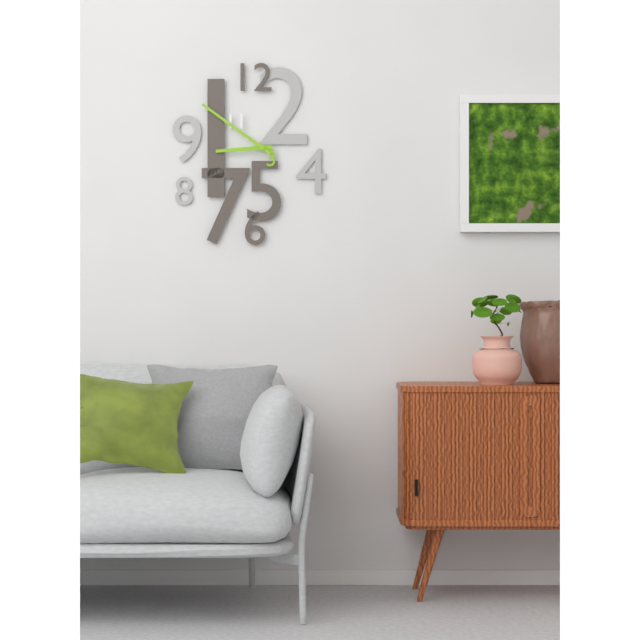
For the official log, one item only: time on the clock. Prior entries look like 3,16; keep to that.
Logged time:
8,51
